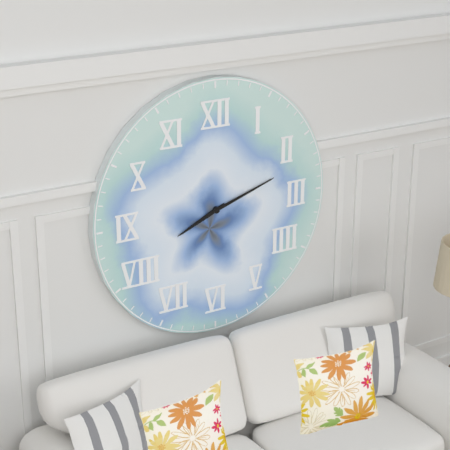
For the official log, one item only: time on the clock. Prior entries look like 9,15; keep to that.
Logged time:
8,12
